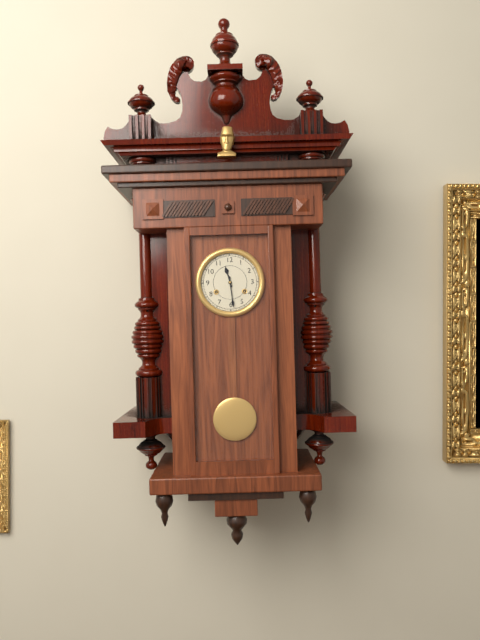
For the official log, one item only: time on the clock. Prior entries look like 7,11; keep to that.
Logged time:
11,29
